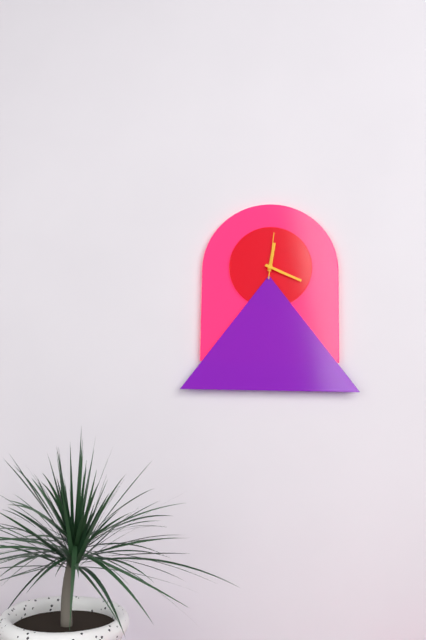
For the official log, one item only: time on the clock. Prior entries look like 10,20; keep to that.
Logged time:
12,19
